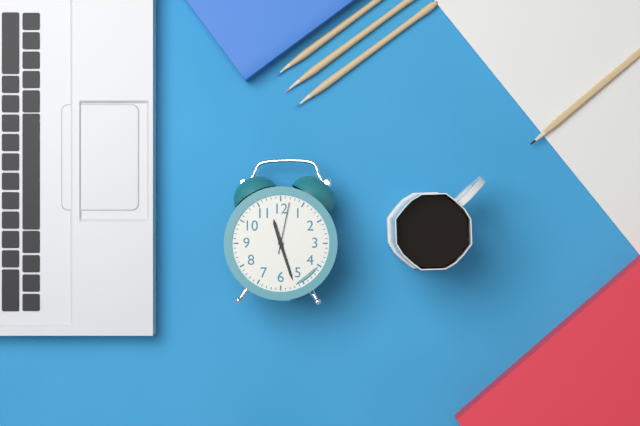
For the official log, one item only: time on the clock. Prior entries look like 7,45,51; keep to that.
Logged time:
11,27,02
